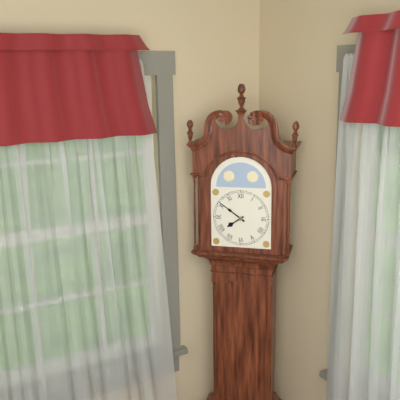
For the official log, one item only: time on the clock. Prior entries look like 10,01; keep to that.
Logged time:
7,51
